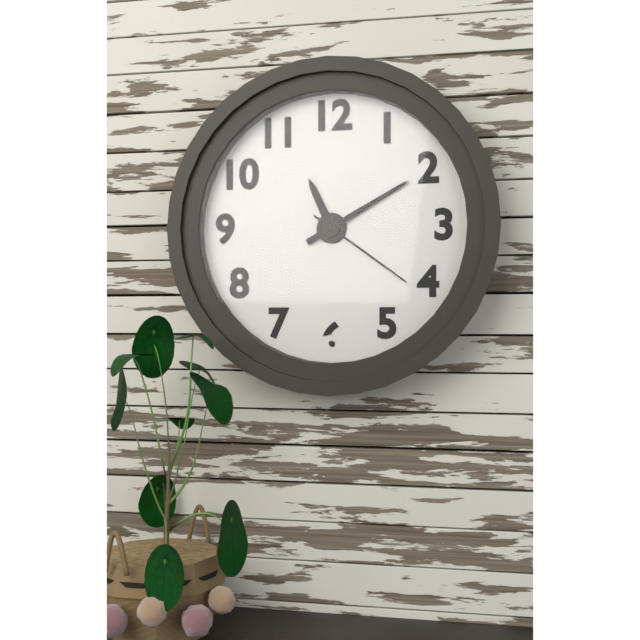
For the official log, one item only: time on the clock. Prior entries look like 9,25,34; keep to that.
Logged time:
11,10,21
